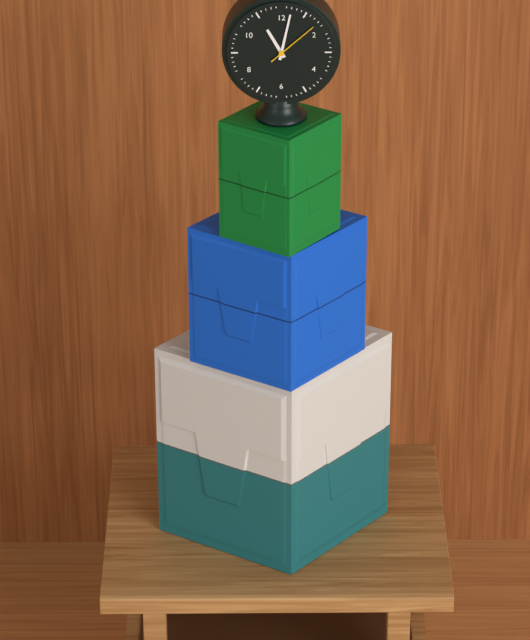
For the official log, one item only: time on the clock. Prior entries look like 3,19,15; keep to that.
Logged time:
11,02,08
